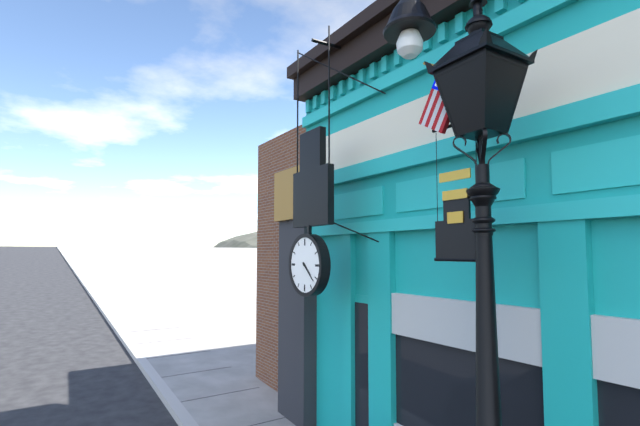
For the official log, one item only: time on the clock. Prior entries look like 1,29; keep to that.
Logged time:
4,22
